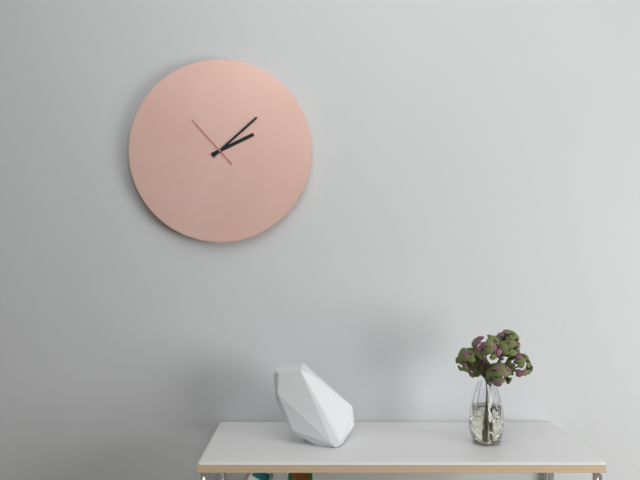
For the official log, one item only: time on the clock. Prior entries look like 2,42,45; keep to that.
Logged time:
2,08,53
